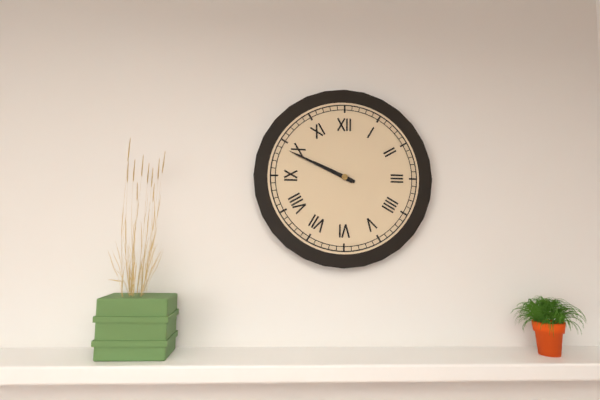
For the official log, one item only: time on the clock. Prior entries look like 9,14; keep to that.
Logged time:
9,49
